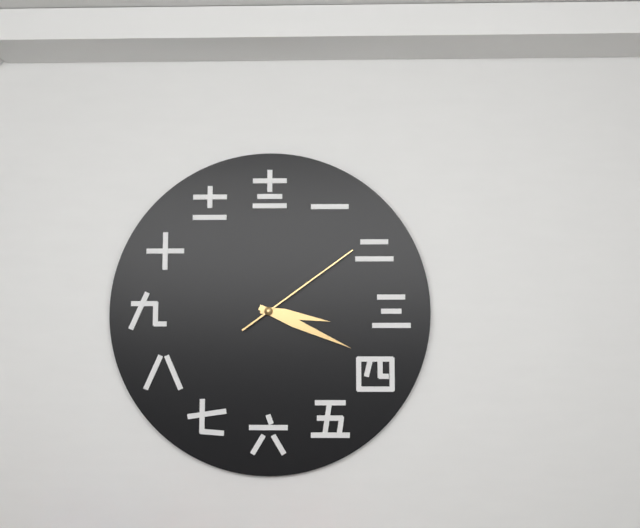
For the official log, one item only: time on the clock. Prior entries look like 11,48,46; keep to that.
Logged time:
3,19,09
